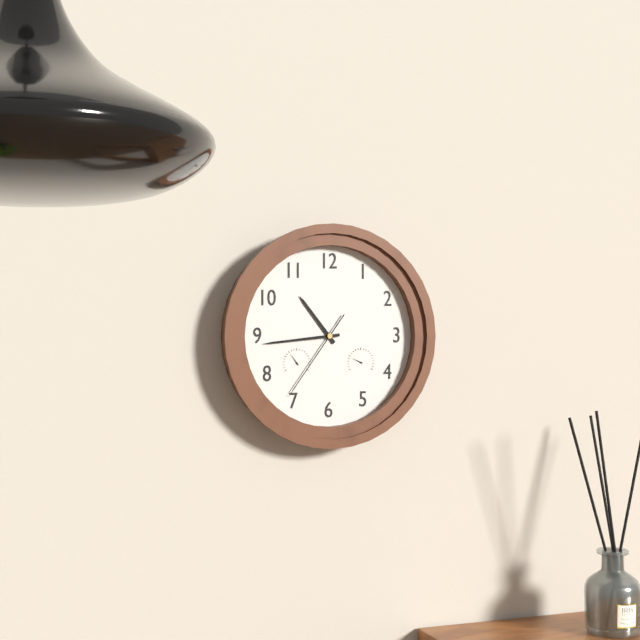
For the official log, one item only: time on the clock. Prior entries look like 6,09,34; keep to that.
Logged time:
10,44,36
